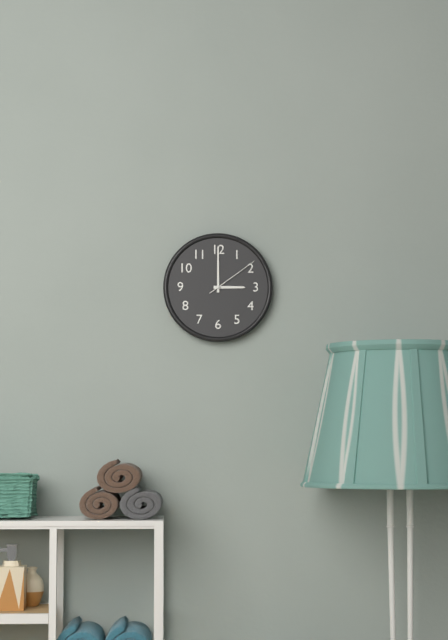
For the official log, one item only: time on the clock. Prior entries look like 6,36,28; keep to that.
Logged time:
3,00,09
